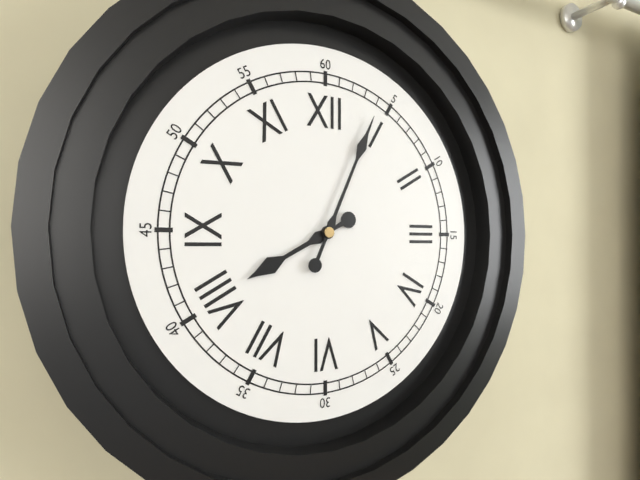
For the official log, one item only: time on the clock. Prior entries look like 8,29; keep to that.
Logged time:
8,04
